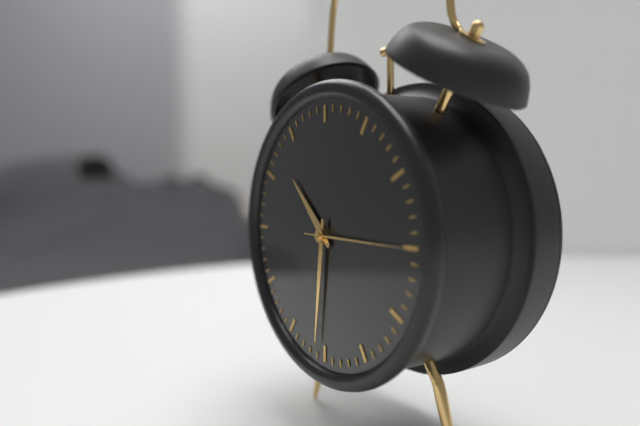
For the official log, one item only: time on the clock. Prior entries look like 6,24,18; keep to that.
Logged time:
10,31,15
